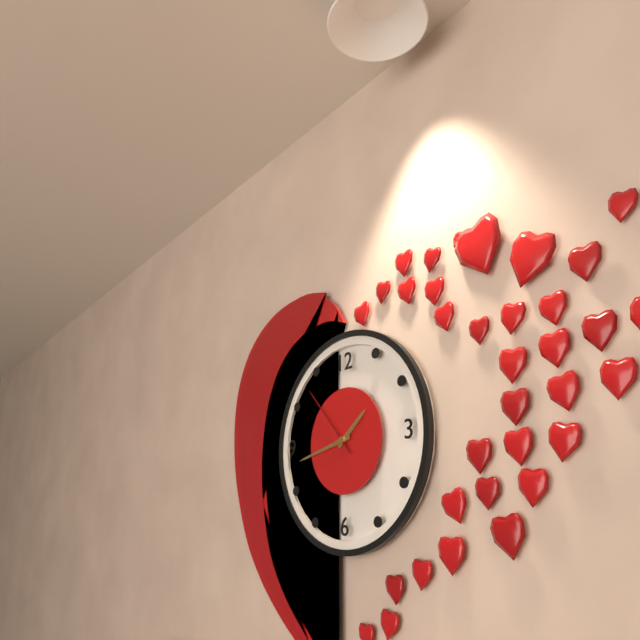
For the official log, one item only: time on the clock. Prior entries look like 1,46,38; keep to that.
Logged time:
1,43,53
